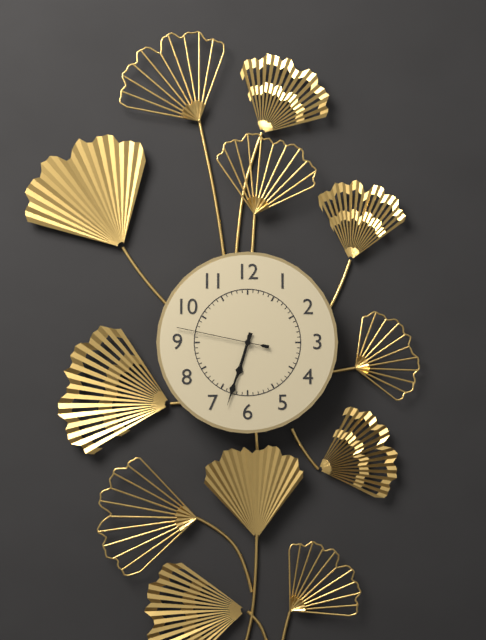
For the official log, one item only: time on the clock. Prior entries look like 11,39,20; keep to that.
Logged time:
6,33,47
